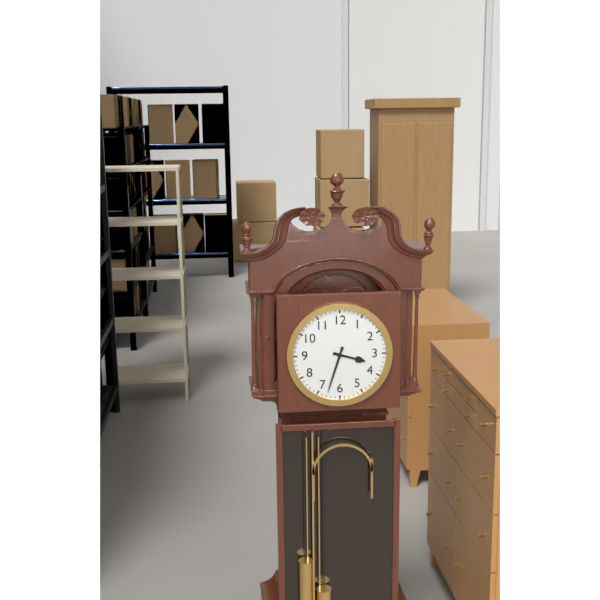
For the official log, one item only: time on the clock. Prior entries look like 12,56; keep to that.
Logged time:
3,33
